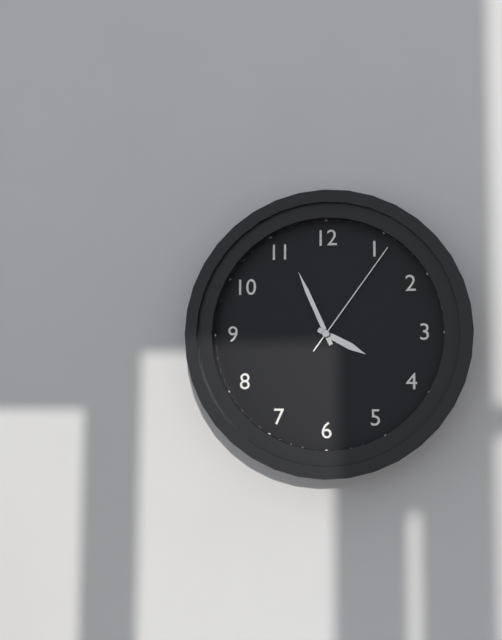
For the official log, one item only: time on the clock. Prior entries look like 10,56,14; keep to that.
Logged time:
3,56,06
